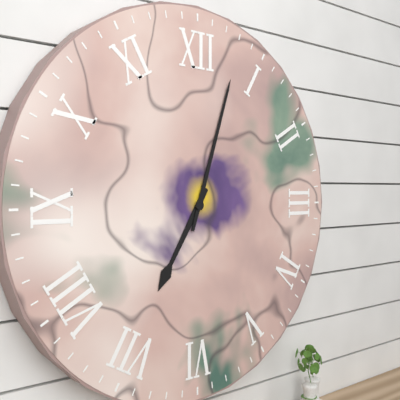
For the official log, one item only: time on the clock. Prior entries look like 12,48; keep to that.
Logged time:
7,03
